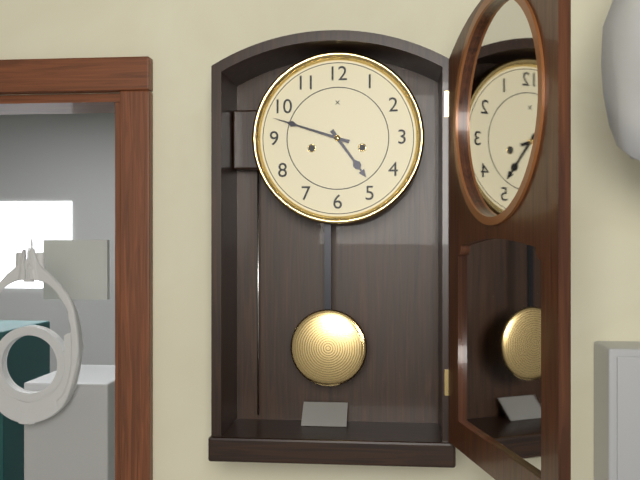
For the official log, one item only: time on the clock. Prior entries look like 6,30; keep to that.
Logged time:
4,48
